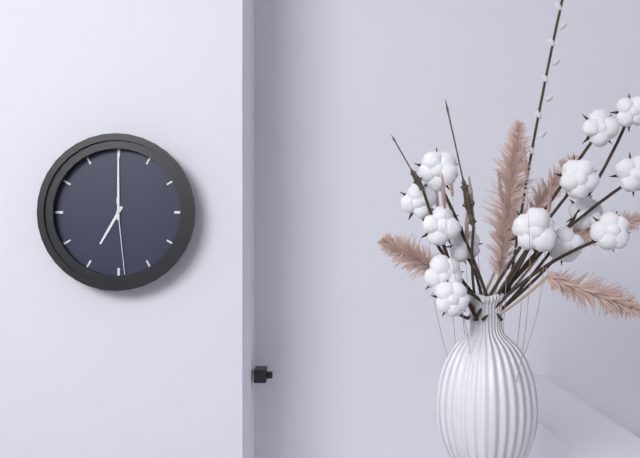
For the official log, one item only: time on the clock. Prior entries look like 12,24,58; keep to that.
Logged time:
7,00,29
